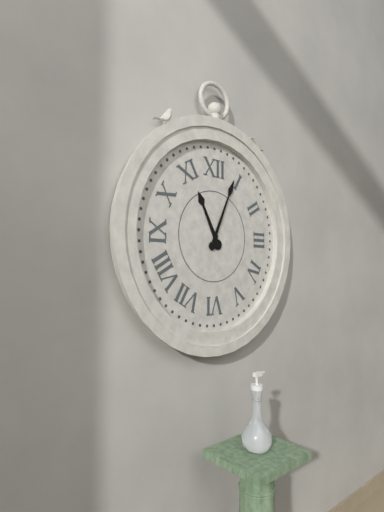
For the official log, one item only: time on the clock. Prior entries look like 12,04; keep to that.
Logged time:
11,04
